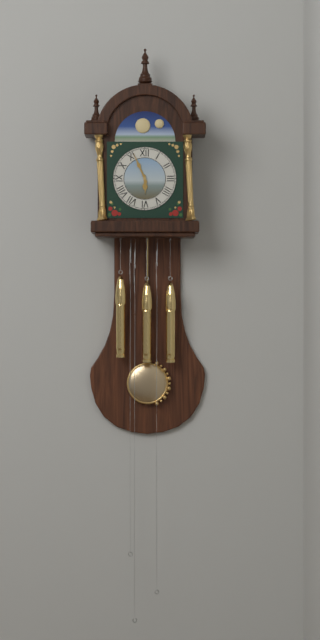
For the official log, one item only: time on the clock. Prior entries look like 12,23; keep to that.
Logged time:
5,56
